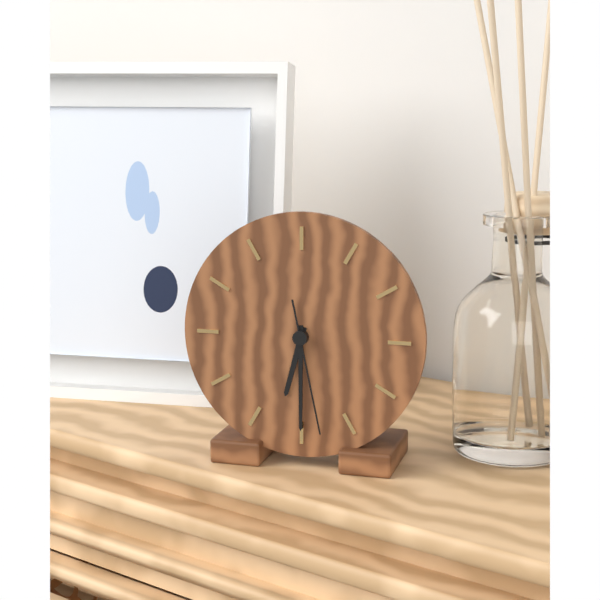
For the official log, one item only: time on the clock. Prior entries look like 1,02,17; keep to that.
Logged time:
6,30,28
